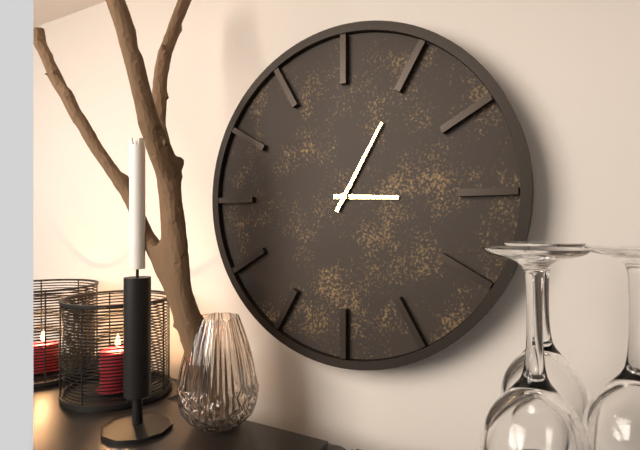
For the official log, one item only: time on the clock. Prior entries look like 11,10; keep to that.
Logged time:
3,05
